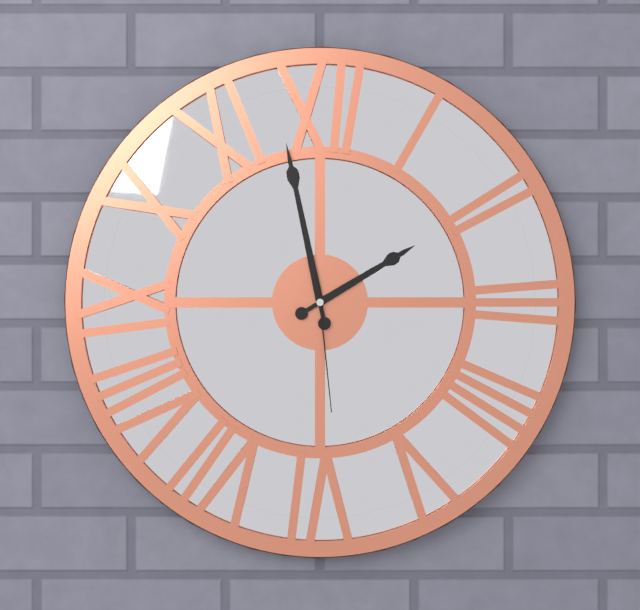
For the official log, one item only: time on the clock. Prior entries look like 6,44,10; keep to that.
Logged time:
1,58,29
